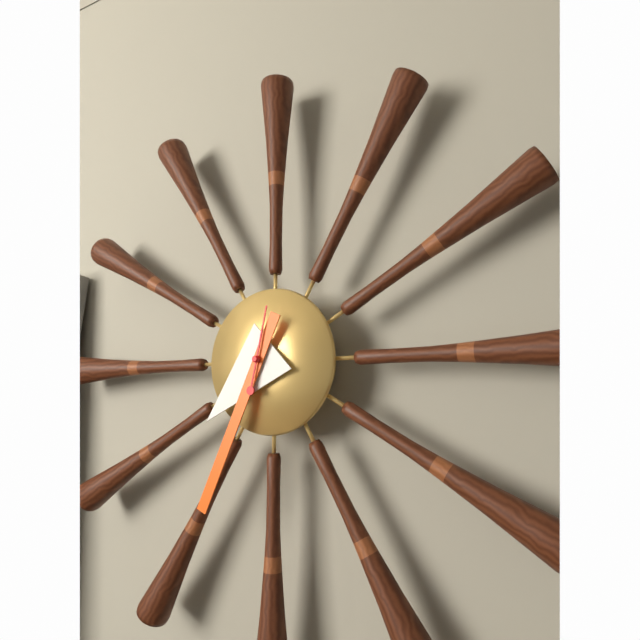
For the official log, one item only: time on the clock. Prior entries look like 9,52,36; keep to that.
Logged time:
7,34,02
